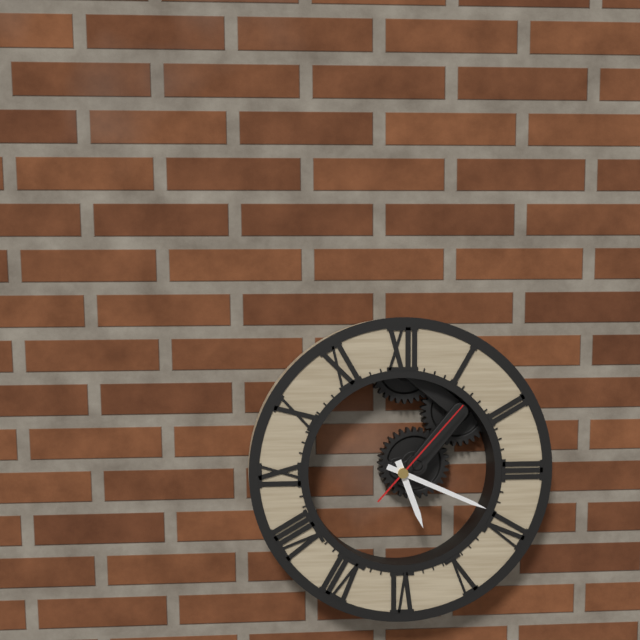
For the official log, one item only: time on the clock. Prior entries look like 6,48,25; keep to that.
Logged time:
5,19,07
